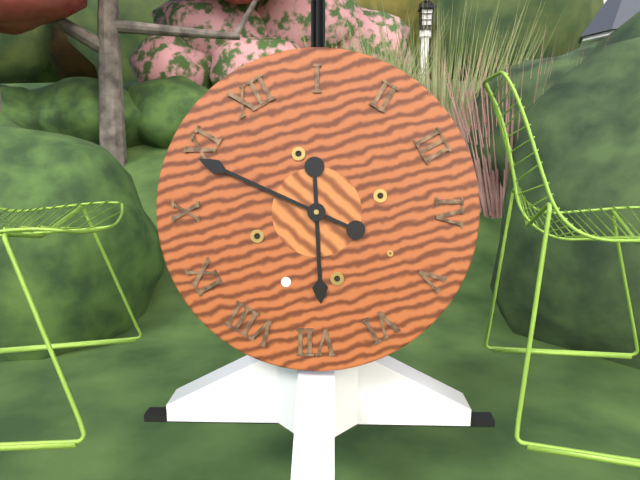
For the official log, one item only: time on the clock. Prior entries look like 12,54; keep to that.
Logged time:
6,54
